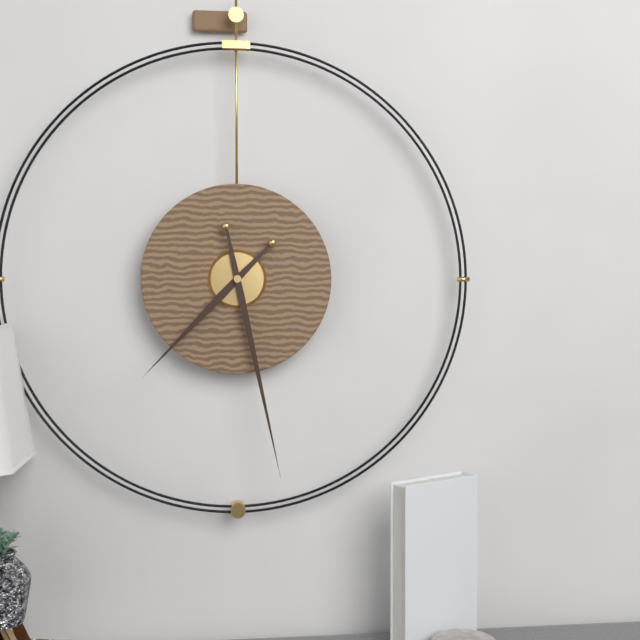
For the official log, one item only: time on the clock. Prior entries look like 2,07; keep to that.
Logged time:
7,28
